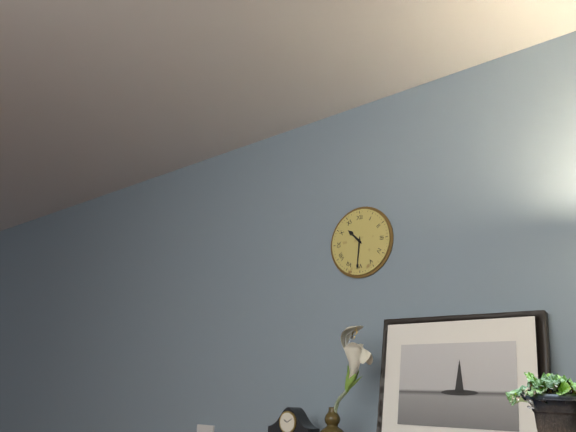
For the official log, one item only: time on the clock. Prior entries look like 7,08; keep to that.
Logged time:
10,31
